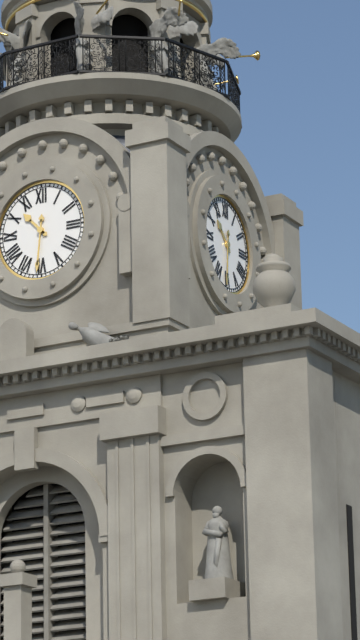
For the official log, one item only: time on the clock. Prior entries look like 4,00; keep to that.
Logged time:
10,31
